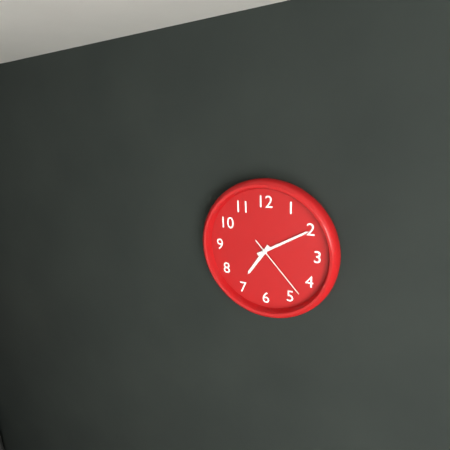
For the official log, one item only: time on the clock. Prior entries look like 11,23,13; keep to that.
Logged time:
7,10,23
